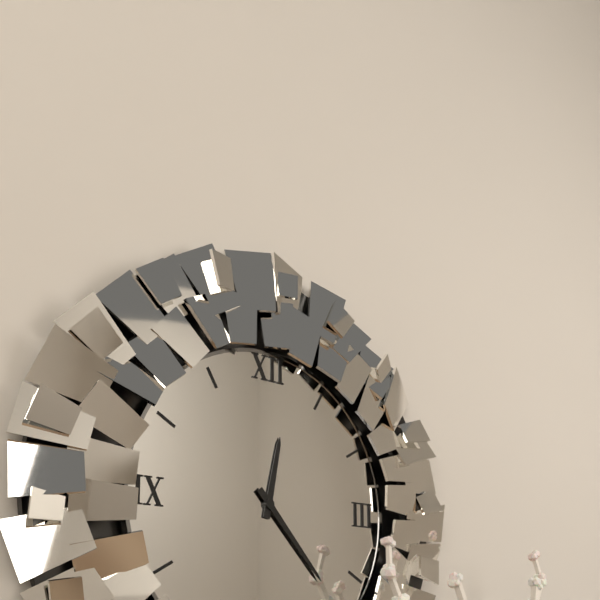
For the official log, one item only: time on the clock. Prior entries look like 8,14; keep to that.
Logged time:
12,23
